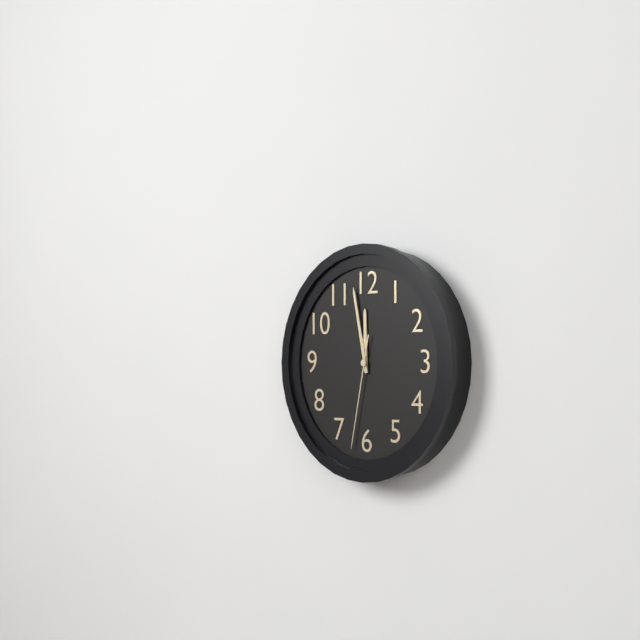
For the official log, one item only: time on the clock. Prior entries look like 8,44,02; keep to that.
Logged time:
11,58,32
